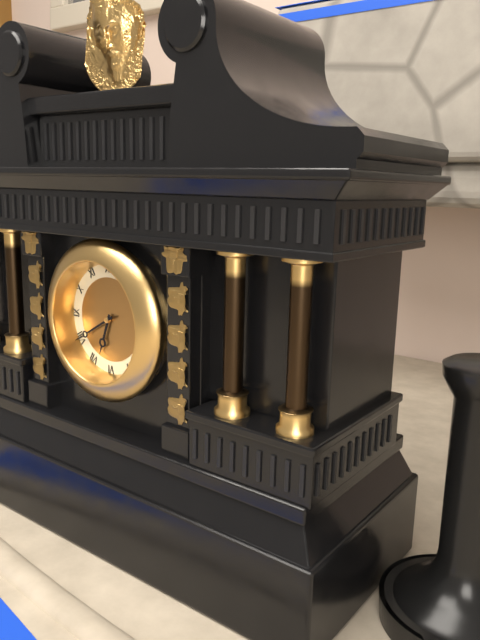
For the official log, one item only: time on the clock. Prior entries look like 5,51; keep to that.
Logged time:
6,40
